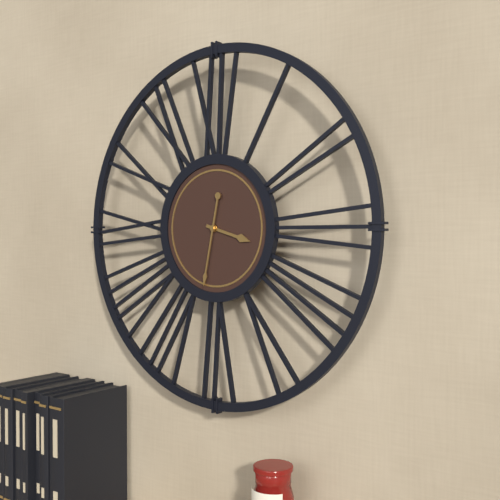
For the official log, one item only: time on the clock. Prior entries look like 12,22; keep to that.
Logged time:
3,32
